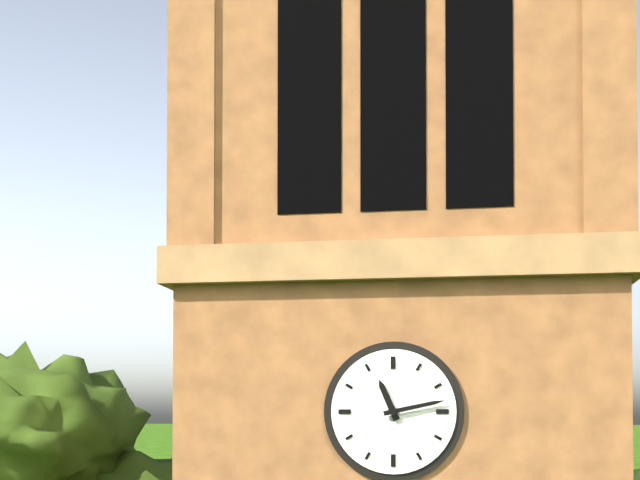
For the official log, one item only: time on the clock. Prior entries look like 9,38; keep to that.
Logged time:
11,13
